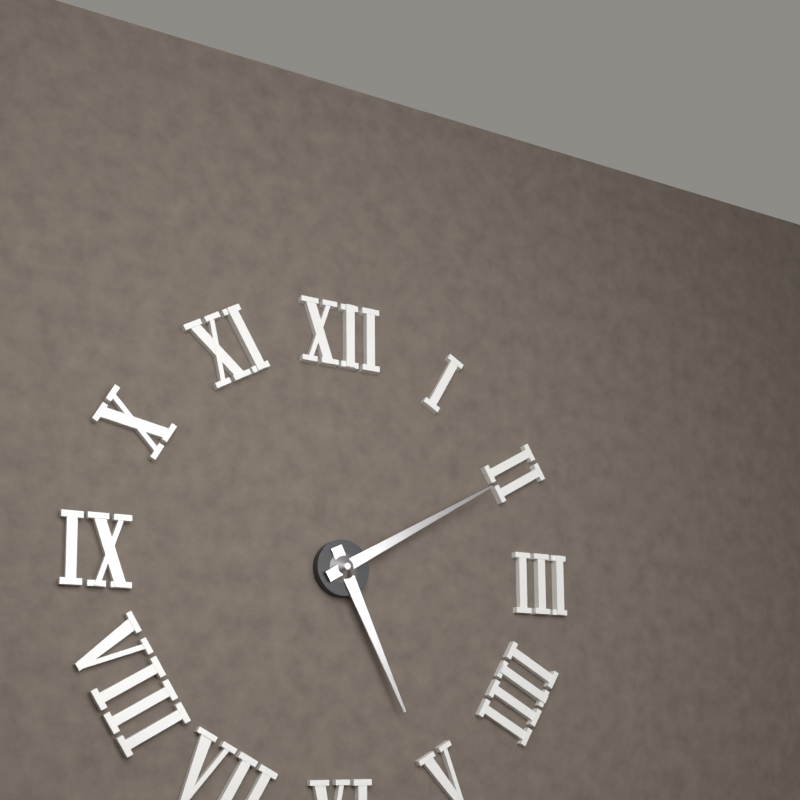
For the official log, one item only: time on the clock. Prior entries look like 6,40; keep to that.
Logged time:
5,10
